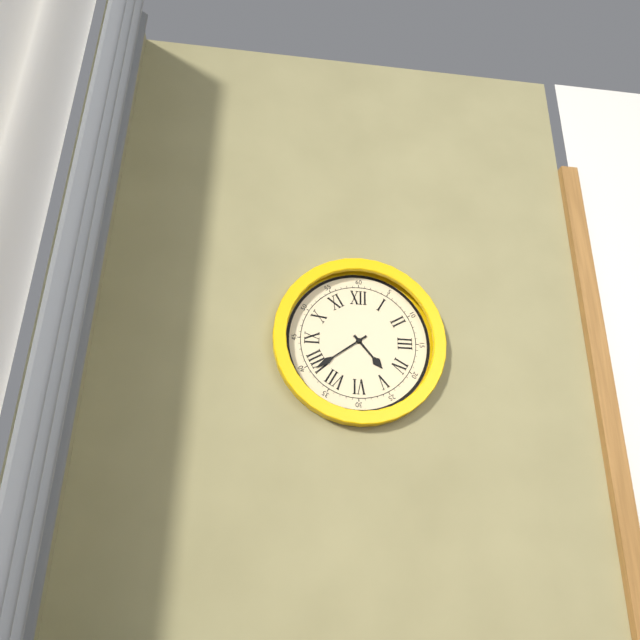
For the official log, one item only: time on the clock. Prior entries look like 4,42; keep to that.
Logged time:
4,39
